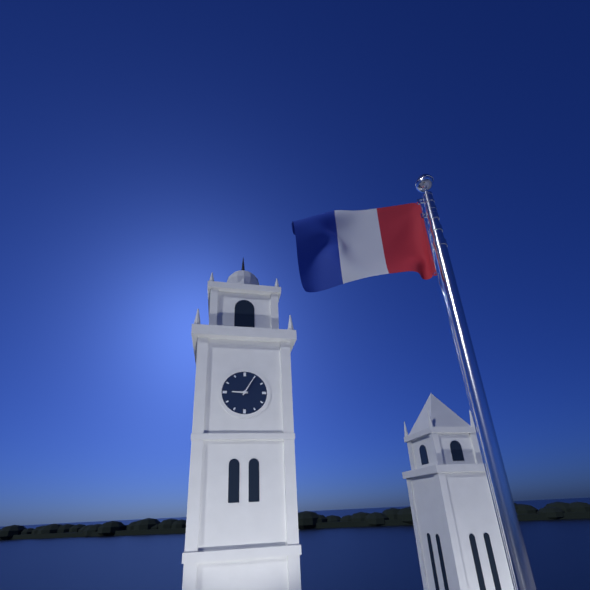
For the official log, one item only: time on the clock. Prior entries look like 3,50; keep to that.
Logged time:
9,05
